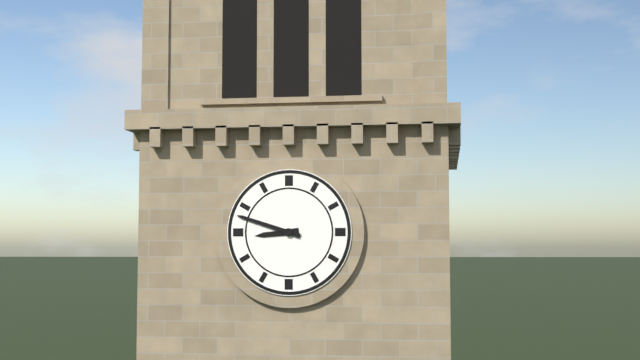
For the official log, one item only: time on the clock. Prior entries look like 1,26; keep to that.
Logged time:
8,48
